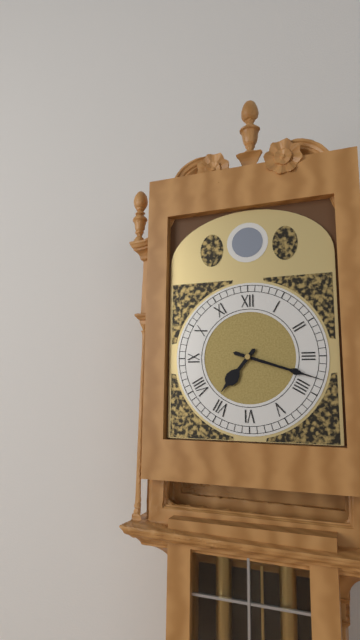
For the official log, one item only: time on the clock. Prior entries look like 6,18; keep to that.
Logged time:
7,18
